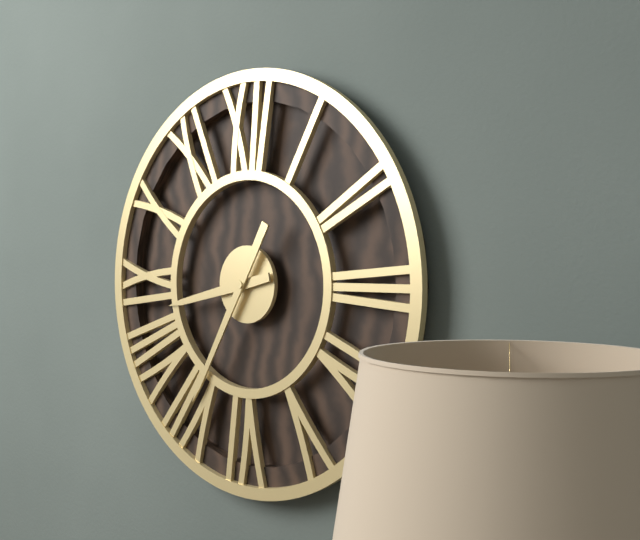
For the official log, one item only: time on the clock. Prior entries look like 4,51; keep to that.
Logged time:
8,35
